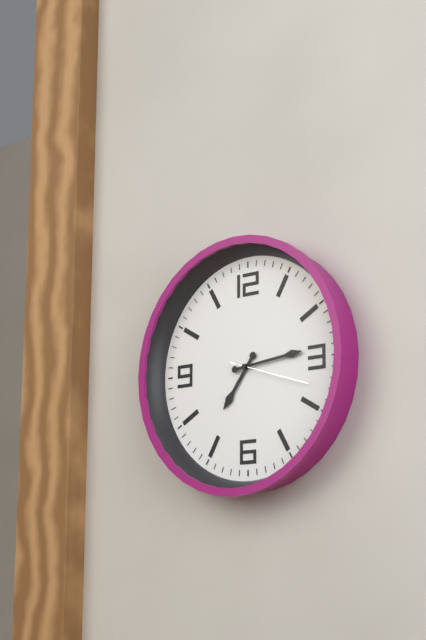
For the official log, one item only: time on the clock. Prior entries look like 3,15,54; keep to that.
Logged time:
7,14,18
